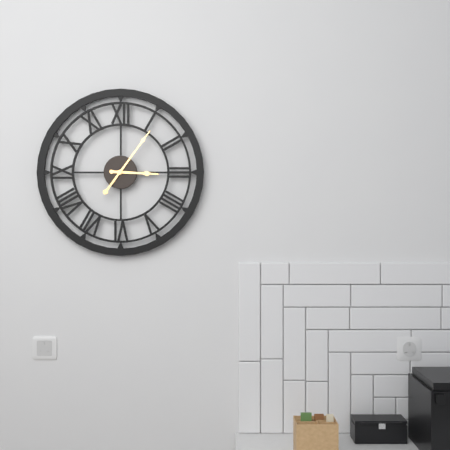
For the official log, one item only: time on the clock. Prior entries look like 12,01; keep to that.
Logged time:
3,06
